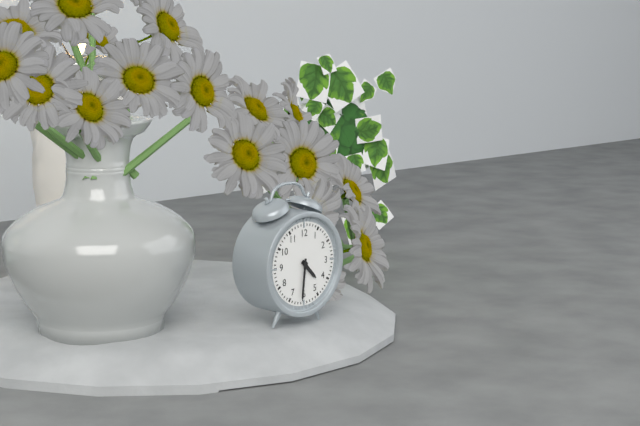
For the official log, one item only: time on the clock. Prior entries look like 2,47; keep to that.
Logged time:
4,31
